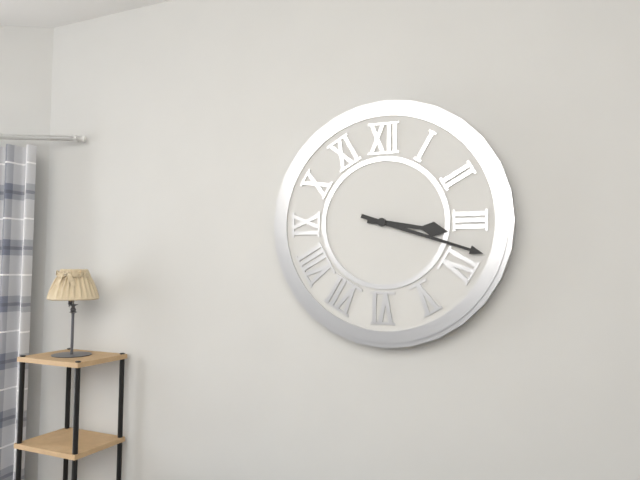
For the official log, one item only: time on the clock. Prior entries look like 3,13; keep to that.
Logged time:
3,18
